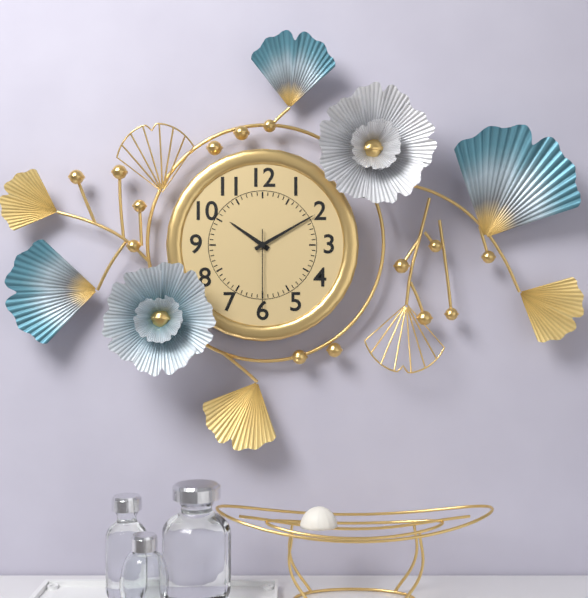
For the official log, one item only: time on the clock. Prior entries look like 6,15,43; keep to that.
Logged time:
10,10,30
